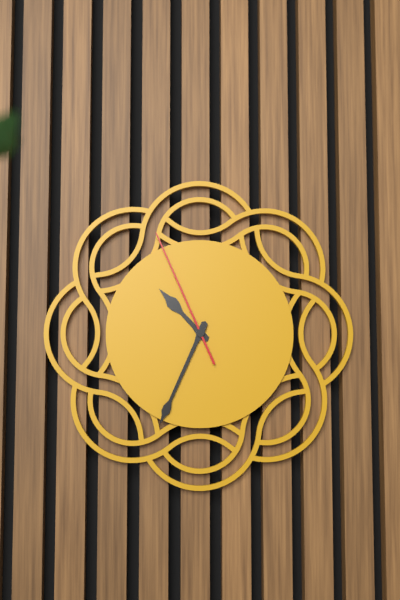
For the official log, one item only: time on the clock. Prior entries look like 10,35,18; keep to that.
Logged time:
10,34,56
